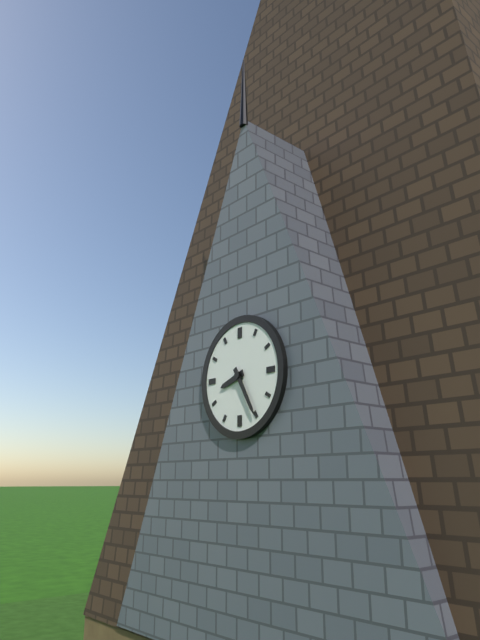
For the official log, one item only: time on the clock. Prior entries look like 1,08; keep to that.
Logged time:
8,25
